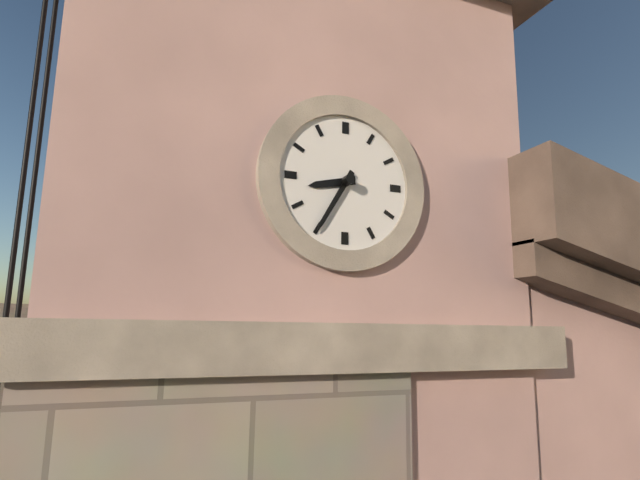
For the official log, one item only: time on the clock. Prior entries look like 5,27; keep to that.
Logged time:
8,35
